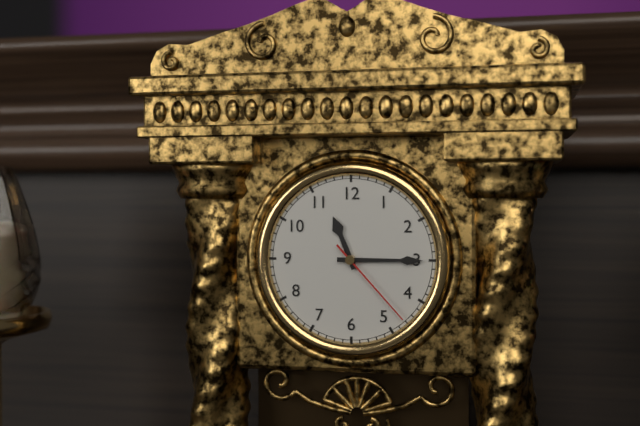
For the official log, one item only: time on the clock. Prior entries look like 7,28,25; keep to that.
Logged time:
11,15,23
